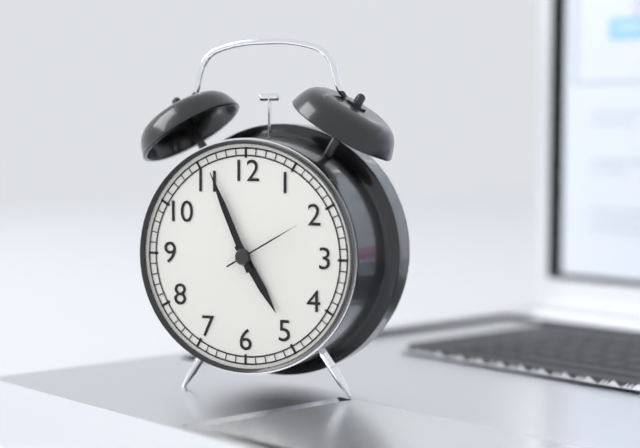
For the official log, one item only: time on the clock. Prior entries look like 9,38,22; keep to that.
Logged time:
4,56,10
